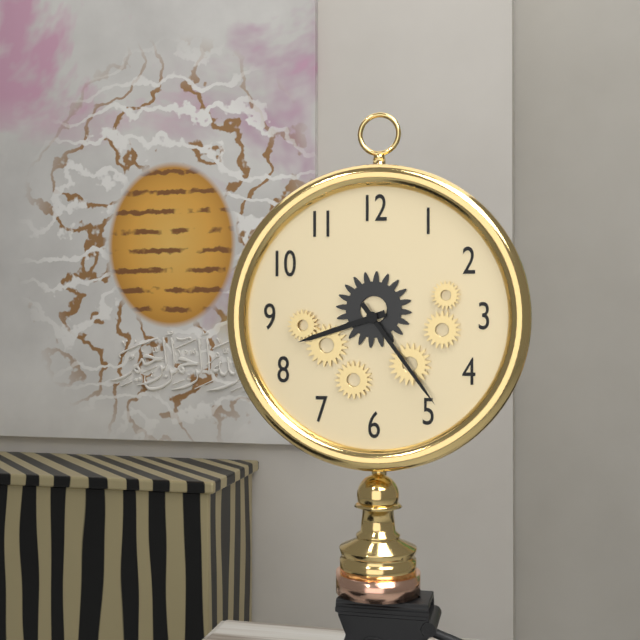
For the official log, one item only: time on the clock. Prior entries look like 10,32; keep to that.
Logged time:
8,24
